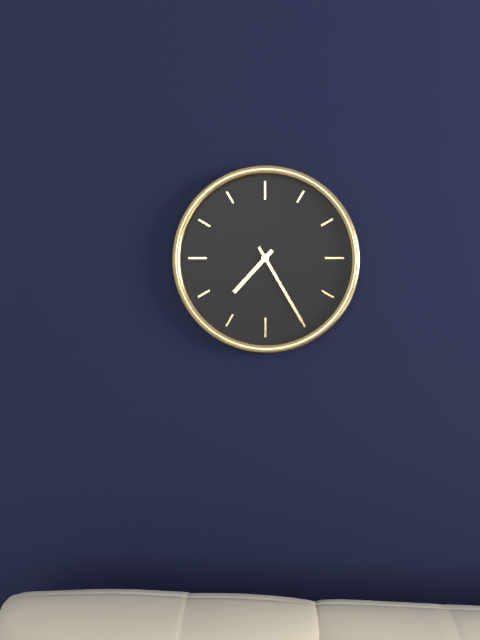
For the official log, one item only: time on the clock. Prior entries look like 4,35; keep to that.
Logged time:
7,25
